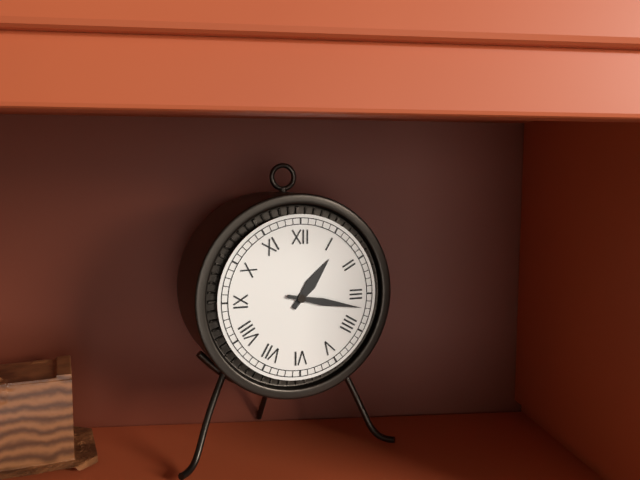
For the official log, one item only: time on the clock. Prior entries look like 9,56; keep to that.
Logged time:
1,17
